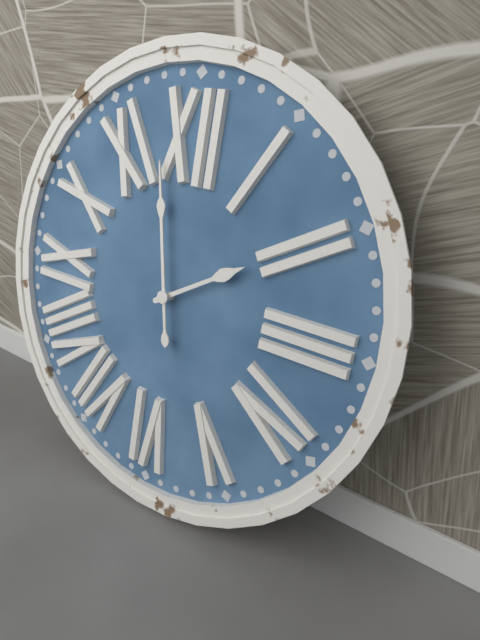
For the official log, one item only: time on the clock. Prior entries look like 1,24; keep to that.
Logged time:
1,58
